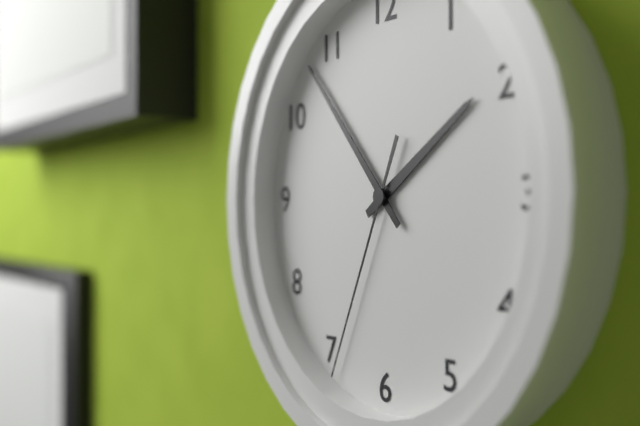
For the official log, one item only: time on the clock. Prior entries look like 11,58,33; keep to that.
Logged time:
1,53,34
